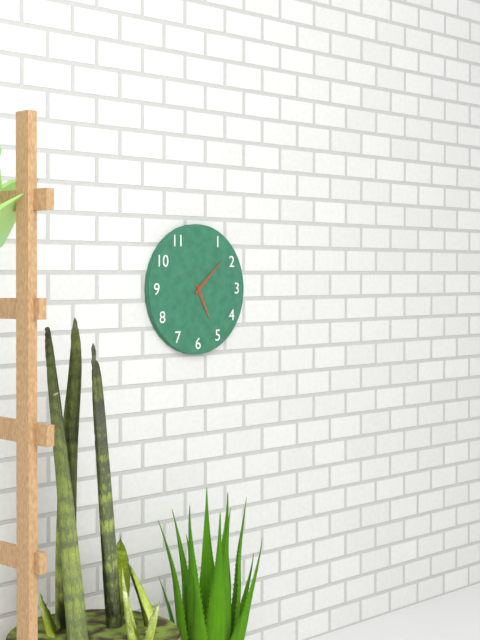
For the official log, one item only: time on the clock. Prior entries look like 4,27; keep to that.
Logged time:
5,08
